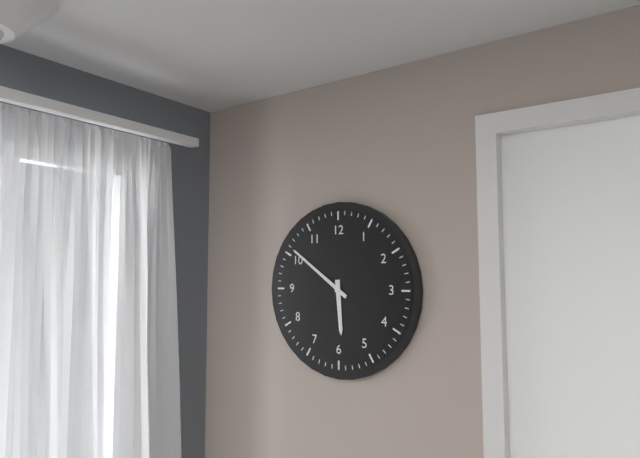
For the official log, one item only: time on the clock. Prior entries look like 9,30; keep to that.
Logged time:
5,51
